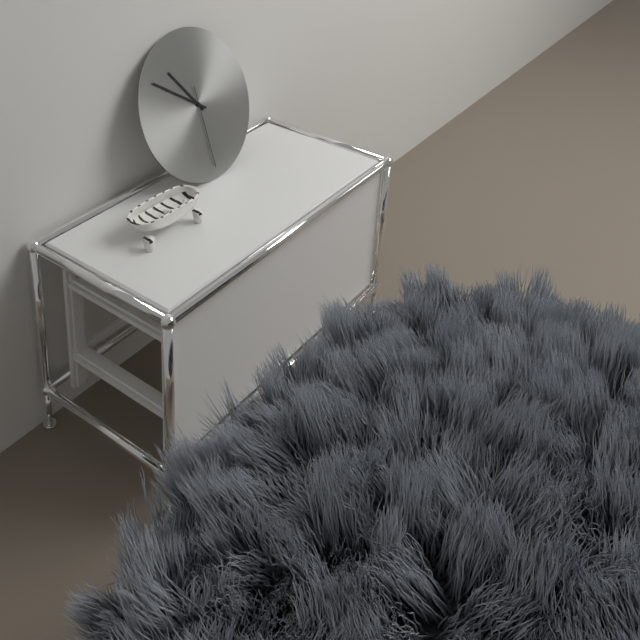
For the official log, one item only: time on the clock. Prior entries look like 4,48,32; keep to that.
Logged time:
10,51,30
